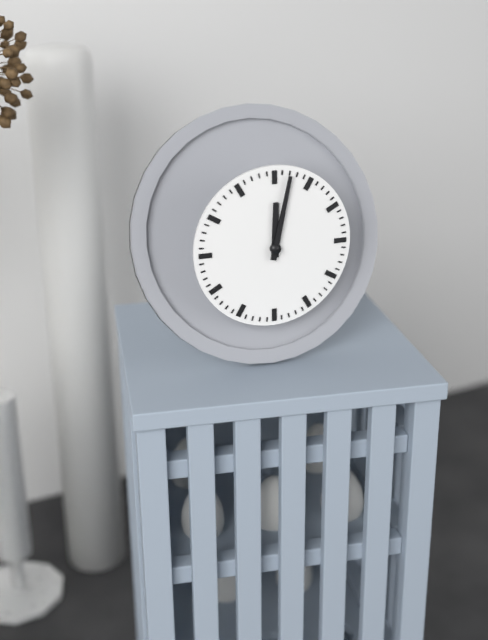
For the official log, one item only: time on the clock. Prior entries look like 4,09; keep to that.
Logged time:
12,02
